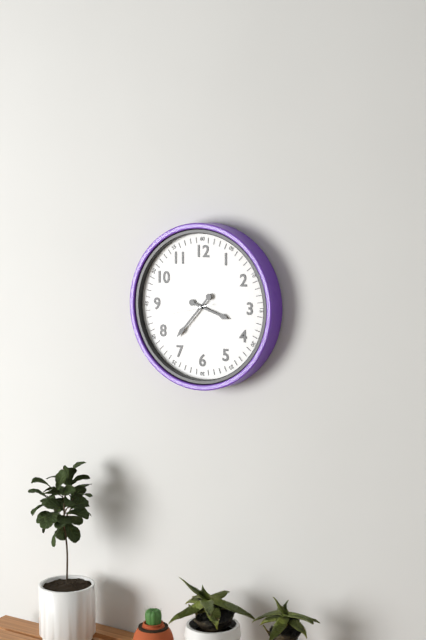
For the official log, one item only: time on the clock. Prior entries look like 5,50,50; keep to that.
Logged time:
3,37,43
